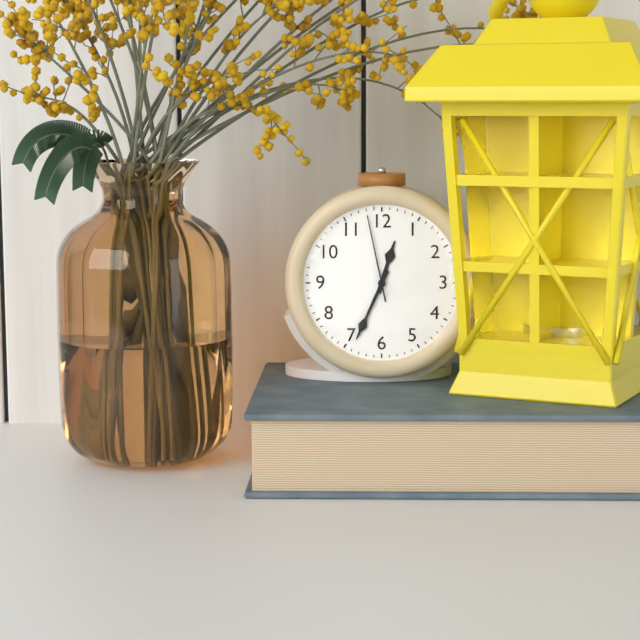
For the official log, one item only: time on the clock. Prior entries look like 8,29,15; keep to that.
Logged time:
12,34,58
